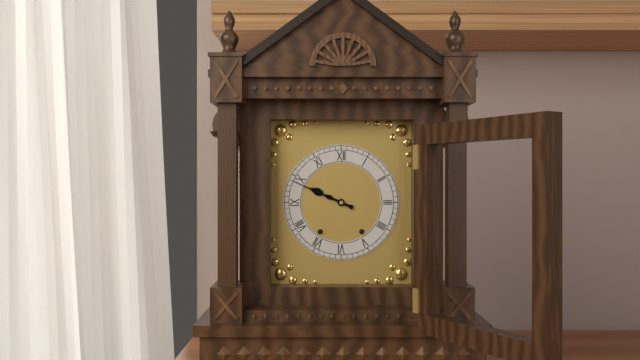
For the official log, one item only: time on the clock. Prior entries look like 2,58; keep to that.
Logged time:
9,49
